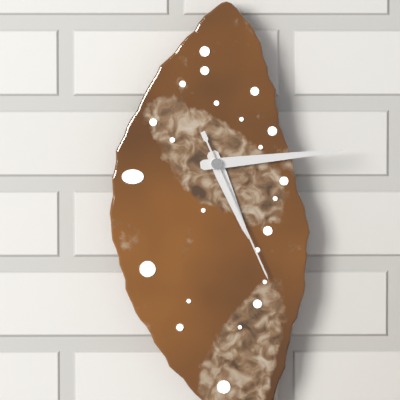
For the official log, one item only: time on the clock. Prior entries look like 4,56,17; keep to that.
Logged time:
5,14,26
